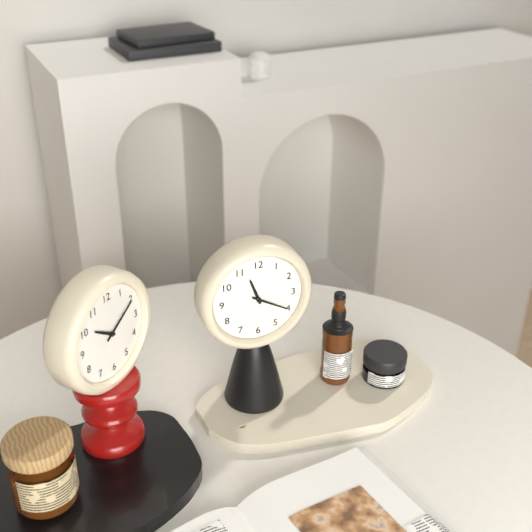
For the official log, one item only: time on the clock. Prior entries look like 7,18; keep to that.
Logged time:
11,20
